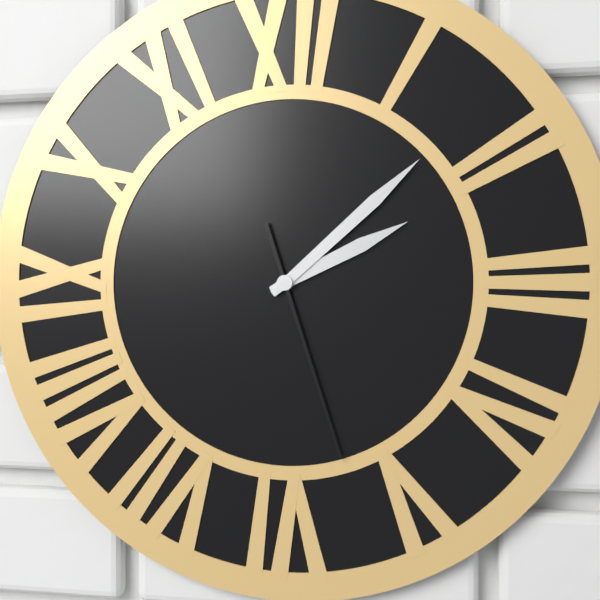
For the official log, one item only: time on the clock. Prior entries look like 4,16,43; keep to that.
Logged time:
2,08,27
